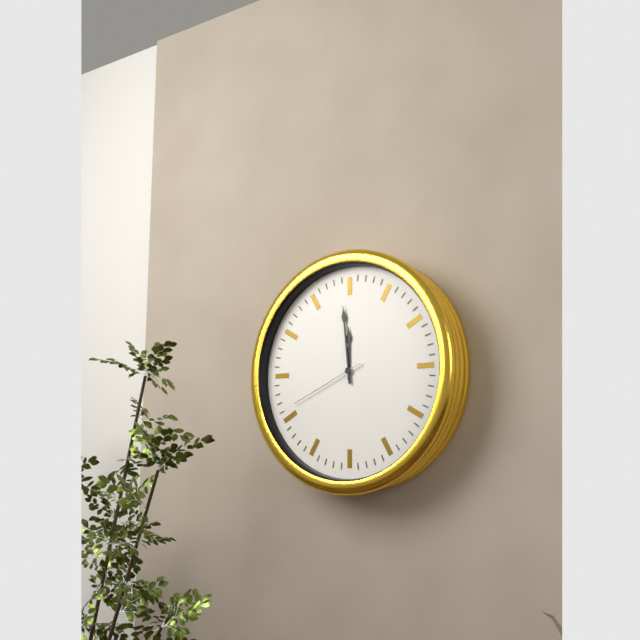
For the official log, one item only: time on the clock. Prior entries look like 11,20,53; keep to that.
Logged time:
11,59,41
